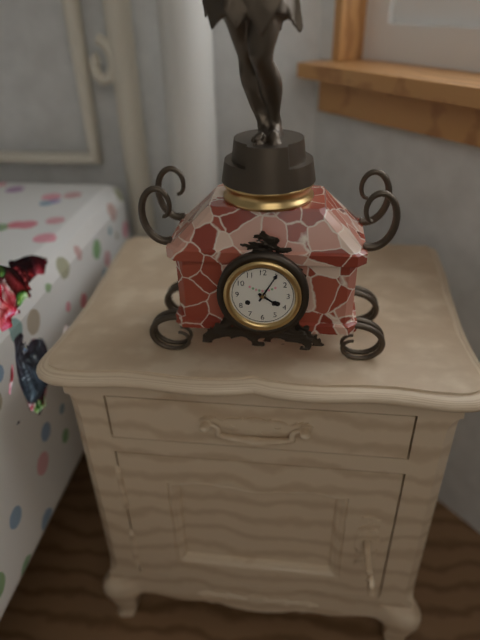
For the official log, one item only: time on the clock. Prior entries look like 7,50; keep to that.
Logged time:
4,05
